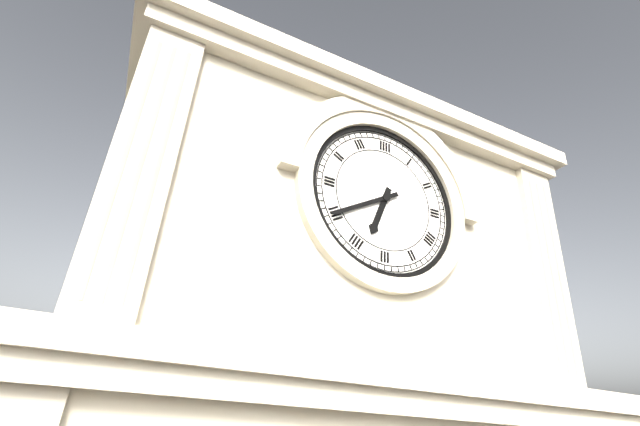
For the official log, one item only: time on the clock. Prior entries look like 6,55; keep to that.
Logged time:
6,40
